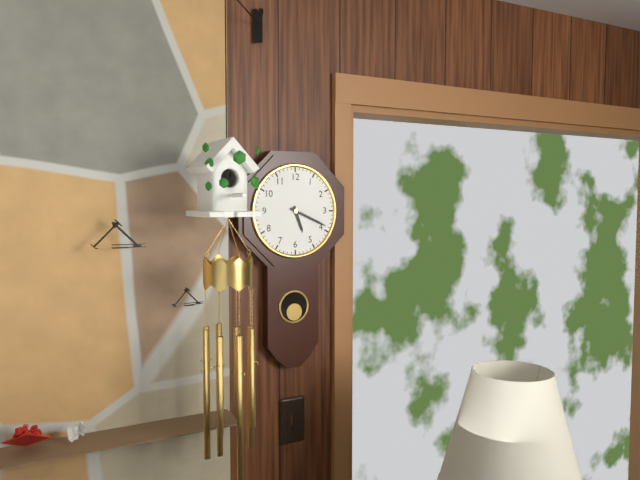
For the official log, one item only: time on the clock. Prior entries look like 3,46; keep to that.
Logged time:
5,19
